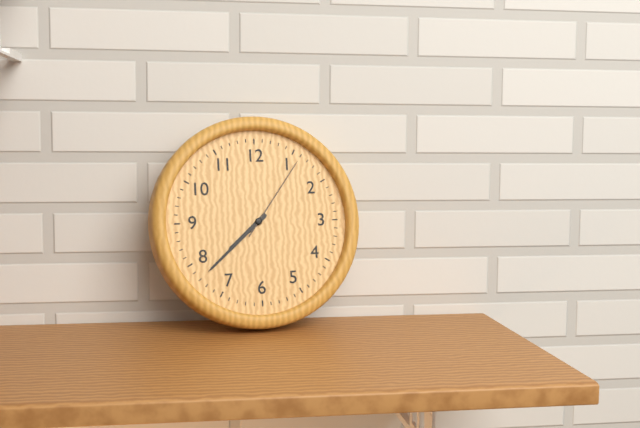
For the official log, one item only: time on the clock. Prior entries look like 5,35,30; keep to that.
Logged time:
7,38,06
